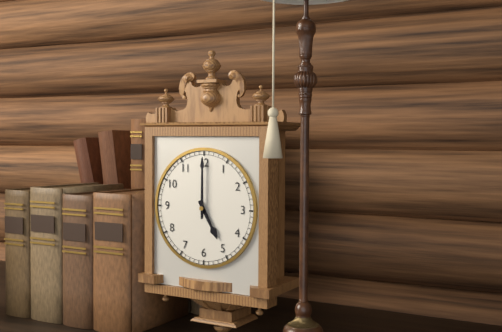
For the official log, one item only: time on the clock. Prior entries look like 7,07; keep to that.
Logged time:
5,00
